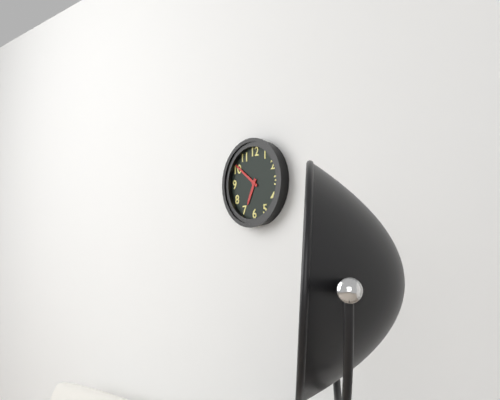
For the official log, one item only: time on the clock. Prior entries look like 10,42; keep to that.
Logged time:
6,51
